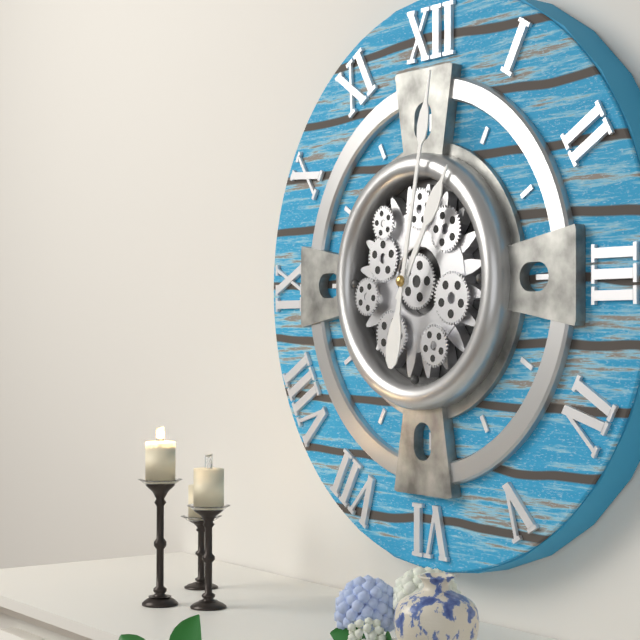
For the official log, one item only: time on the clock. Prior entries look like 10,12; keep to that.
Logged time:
1,02
